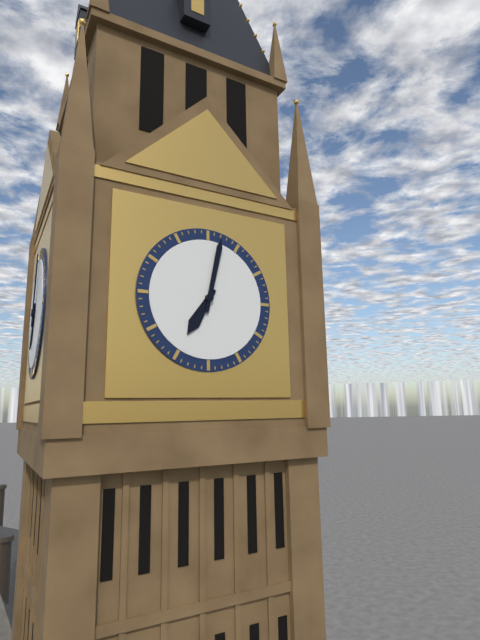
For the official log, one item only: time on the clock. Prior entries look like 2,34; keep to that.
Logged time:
7,02
